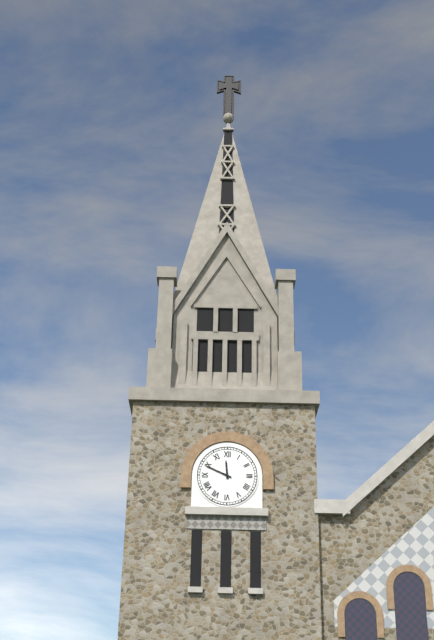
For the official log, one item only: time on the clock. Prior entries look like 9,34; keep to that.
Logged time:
11,49
